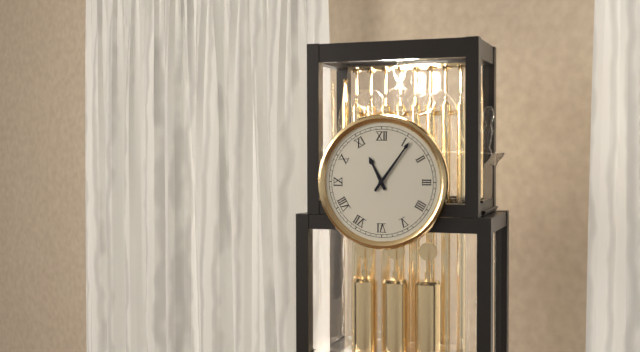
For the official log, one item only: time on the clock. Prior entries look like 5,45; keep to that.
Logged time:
11,06
